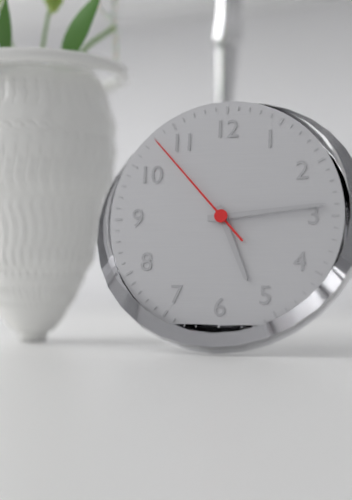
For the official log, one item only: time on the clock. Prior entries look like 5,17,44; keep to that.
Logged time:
5,14,53
